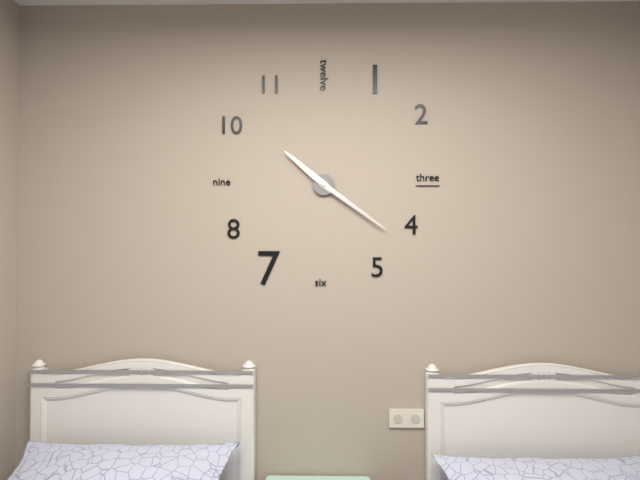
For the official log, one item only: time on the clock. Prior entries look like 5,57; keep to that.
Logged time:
10,21
